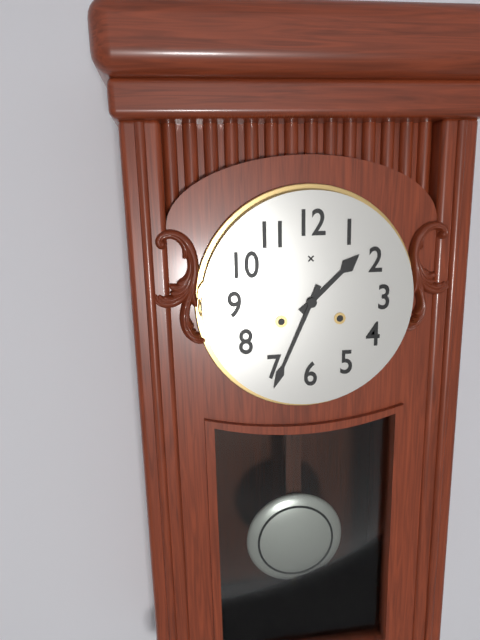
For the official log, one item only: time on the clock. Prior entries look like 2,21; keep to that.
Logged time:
1,34
